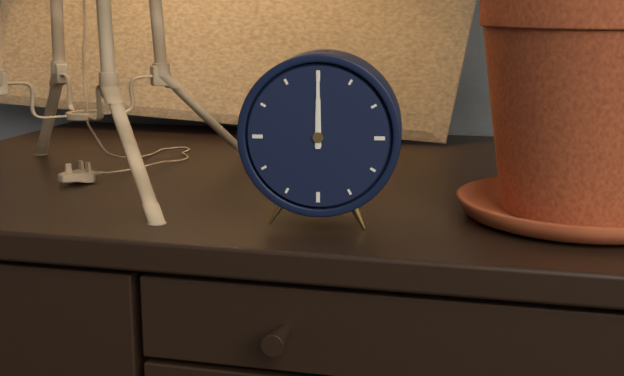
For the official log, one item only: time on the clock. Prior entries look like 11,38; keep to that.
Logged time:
12,00
